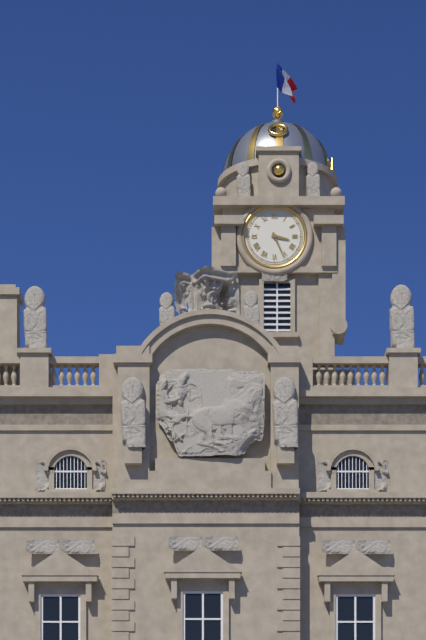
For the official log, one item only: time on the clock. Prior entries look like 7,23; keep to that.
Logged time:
3,26
